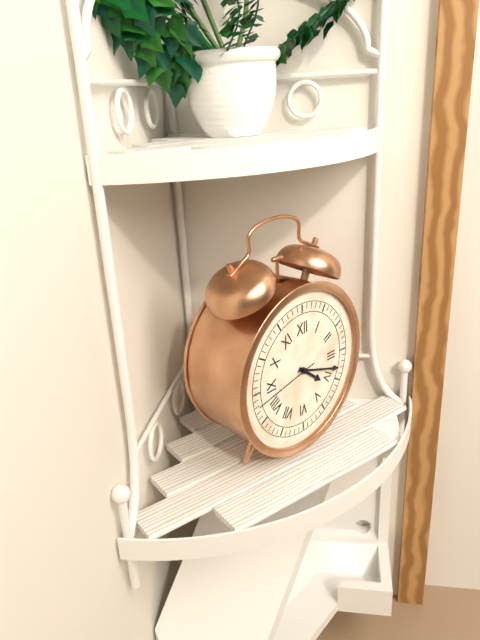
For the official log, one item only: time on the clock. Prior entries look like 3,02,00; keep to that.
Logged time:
4,18,43
